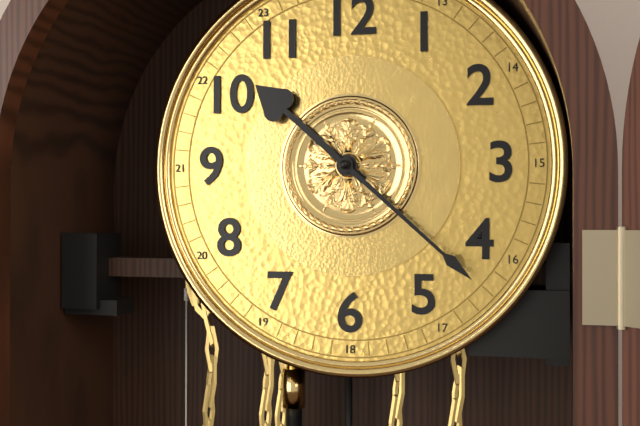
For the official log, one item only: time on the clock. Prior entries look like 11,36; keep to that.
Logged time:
10,22
